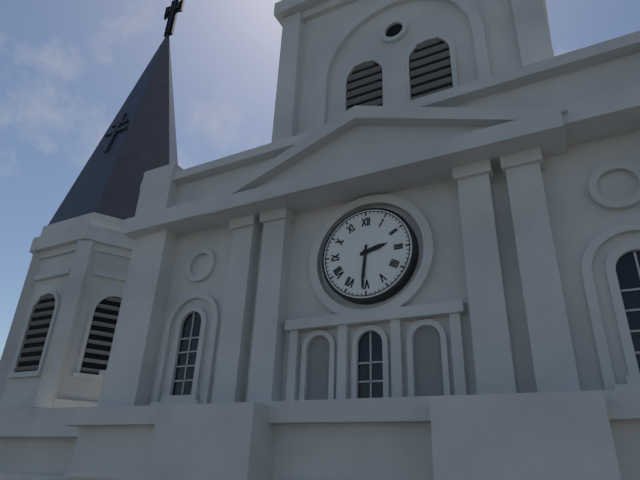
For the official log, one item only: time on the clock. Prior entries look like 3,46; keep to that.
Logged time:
2,31
